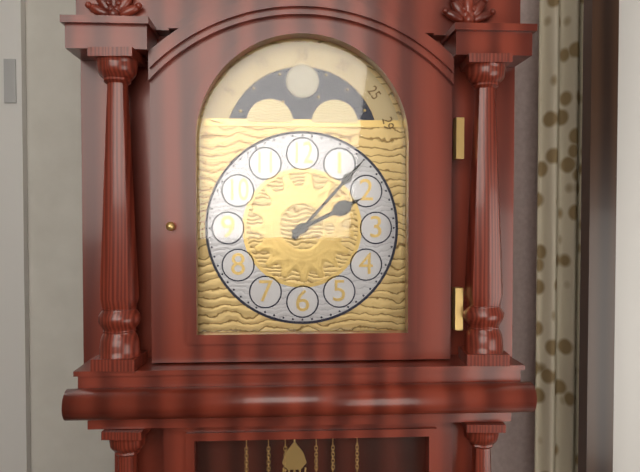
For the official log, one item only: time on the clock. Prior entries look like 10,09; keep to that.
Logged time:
2,07
